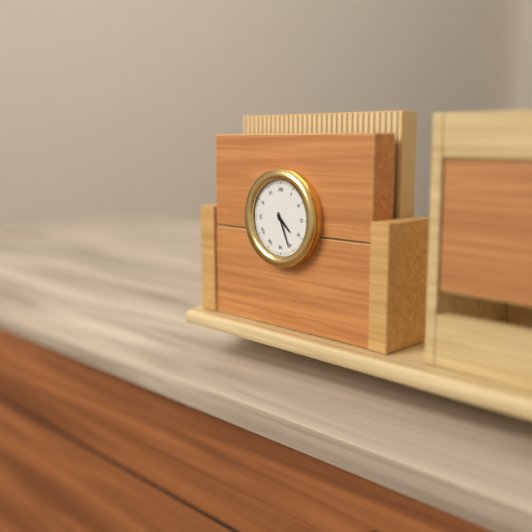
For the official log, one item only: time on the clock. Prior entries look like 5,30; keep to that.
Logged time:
4,26
